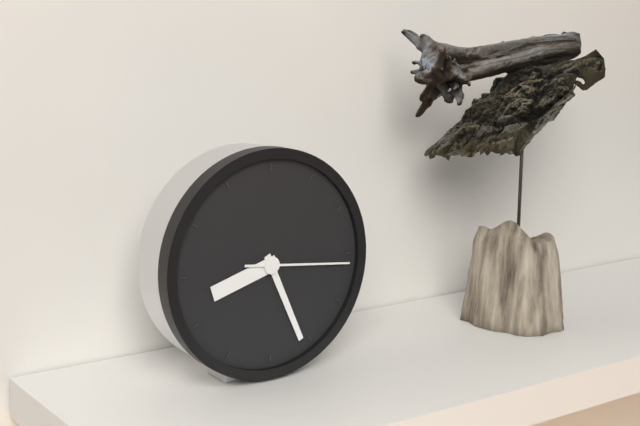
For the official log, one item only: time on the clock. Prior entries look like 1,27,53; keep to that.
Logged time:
8,26,16
